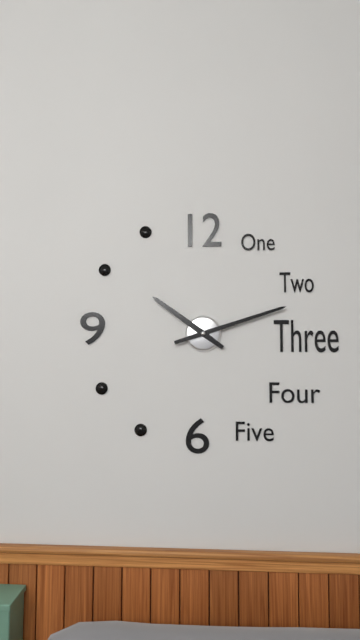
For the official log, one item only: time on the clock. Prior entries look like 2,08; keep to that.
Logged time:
10,12
